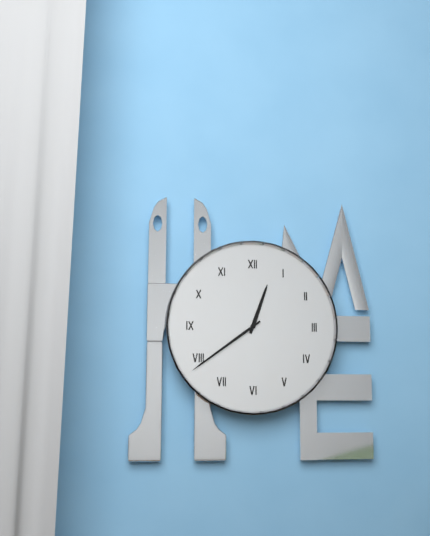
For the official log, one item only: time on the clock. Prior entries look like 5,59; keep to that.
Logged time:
12,39
